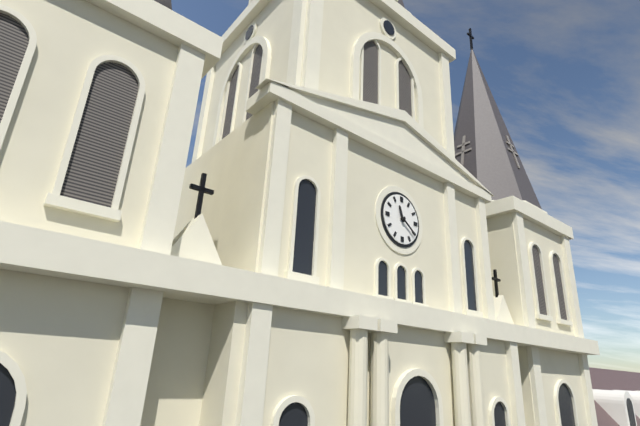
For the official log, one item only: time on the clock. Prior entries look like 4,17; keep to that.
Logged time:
11,21
